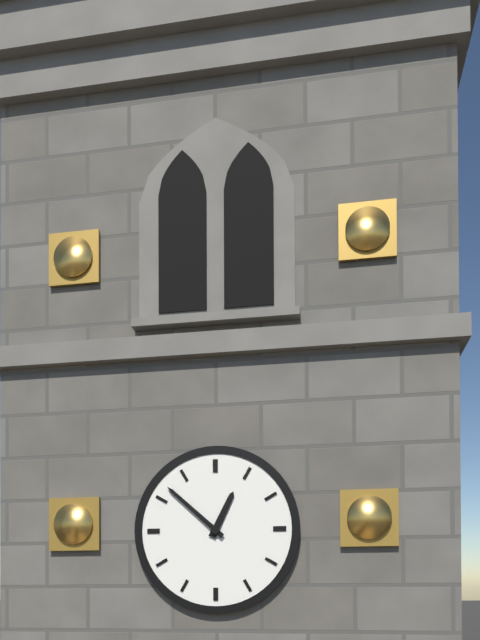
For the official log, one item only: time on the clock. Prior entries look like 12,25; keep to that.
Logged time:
12,52
